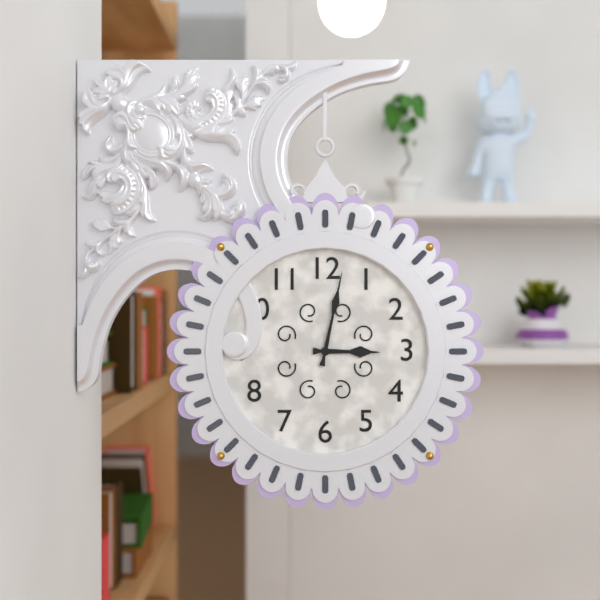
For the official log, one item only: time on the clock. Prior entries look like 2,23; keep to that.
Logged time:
3,02
